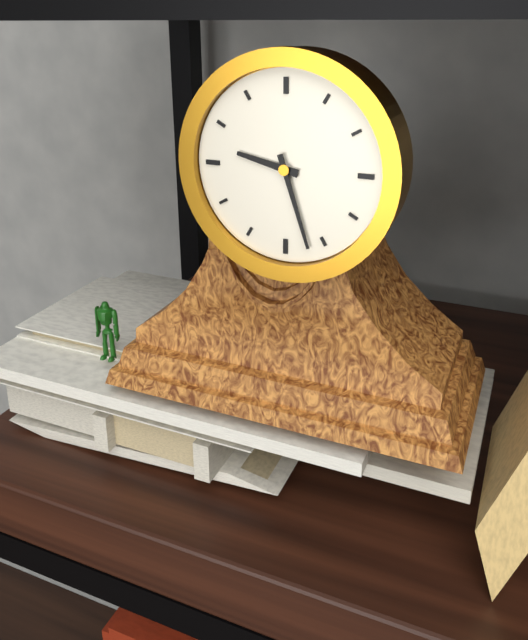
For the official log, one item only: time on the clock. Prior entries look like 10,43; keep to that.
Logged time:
9,27
